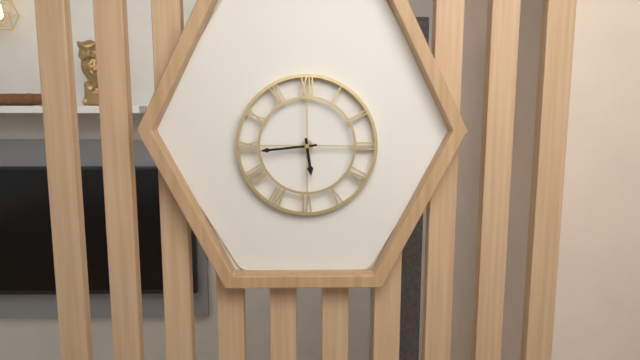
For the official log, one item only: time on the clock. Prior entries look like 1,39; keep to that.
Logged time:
5,44
